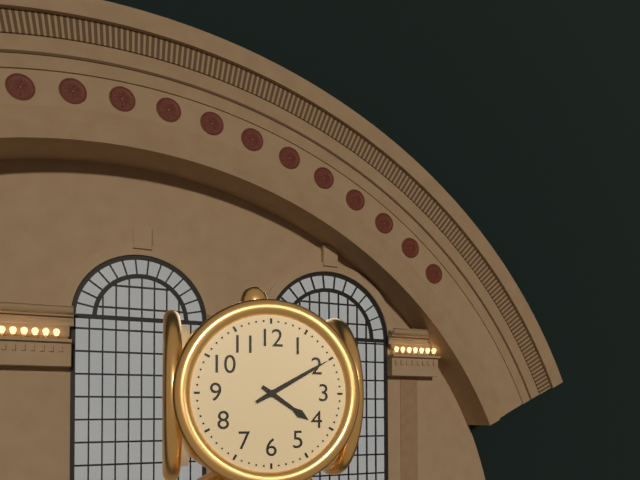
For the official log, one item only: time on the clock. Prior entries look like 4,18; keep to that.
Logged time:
4,10
